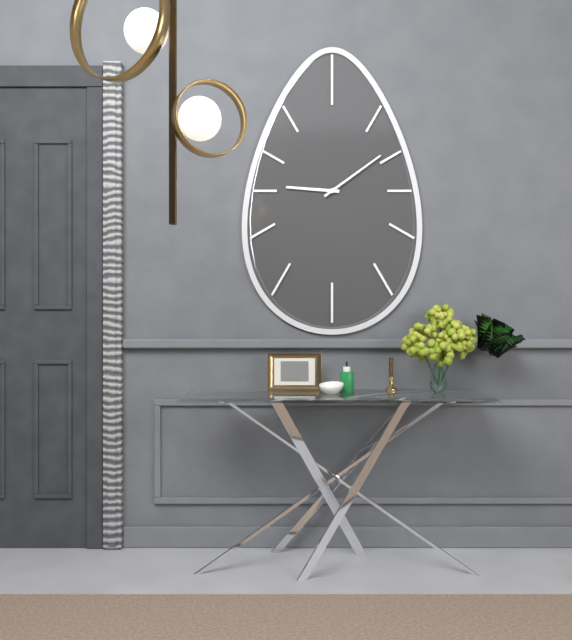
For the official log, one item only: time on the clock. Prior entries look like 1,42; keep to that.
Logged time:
9,09
